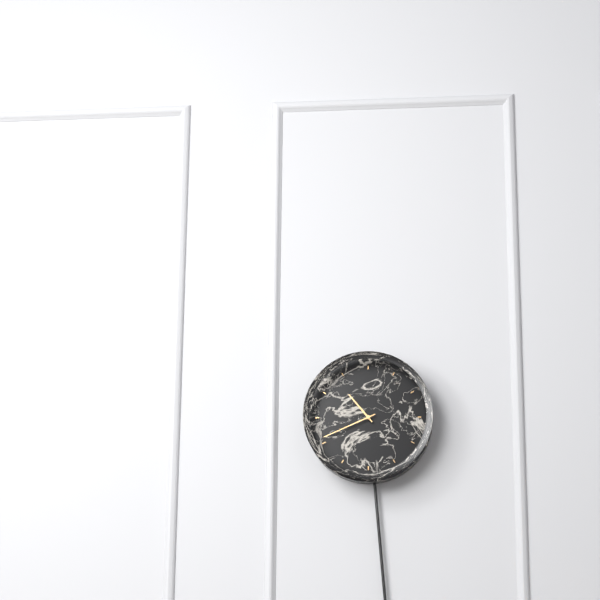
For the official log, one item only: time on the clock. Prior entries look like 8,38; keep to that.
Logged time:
10,41
